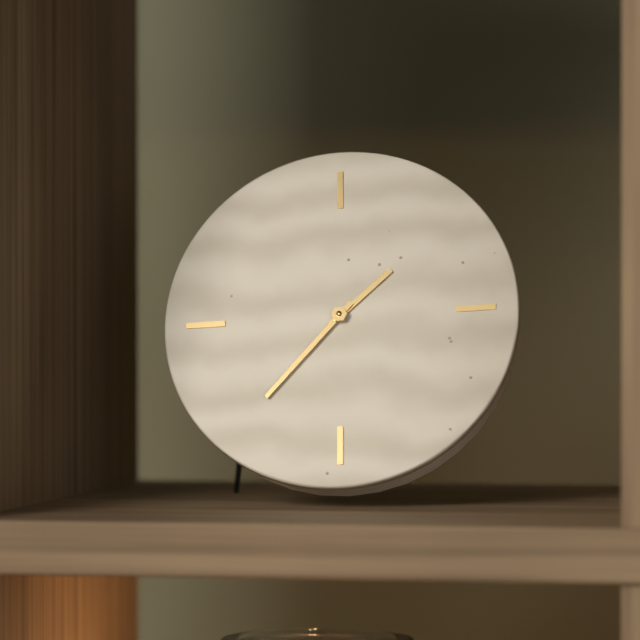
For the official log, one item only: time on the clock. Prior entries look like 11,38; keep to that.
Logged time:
1,37
